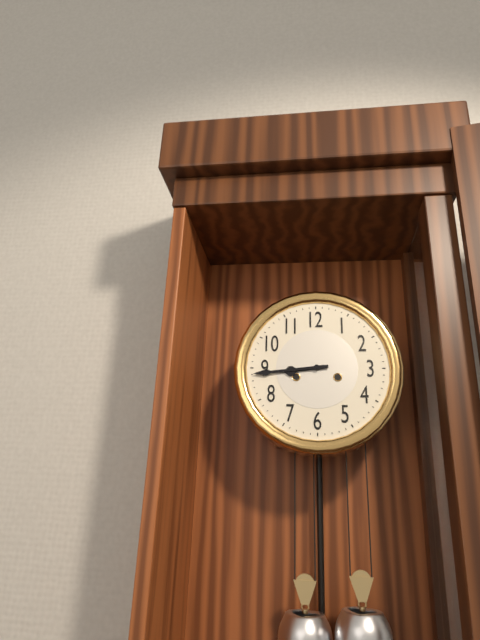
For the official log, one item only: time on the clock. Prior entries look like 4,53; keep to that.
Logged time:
8,44
